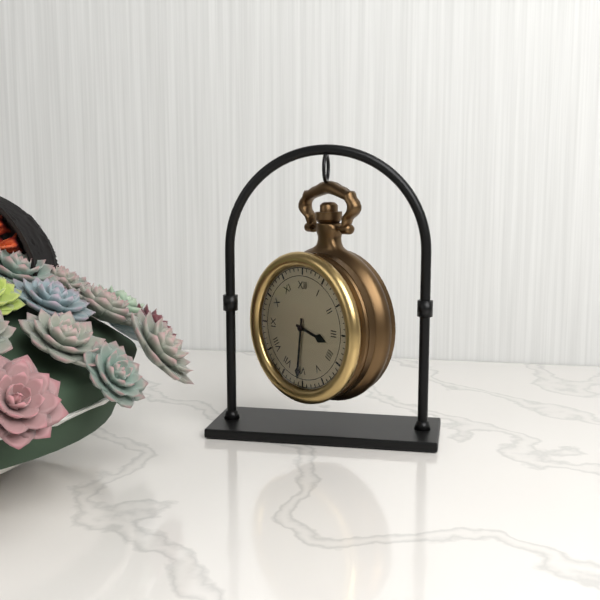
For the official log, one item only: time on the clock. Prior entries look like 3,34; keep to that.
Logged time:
3,31
